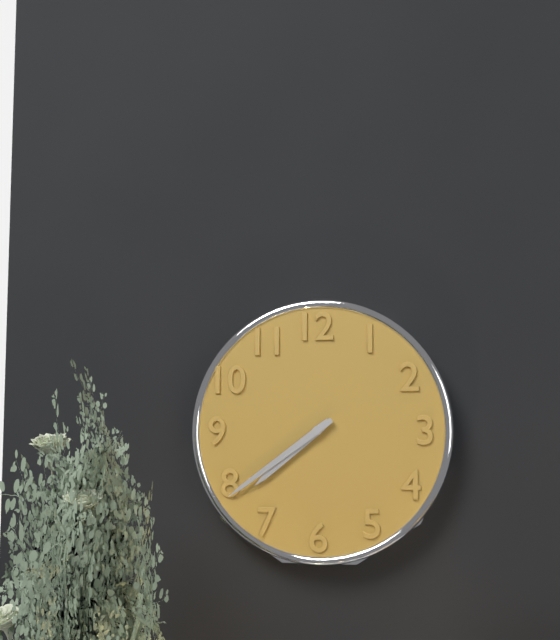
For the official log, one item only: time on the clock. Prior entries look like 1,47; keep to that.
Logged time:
7,39
